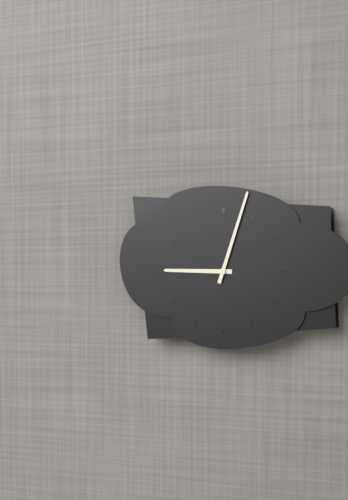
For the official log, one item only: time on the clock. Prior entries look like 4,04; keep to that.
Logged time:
9,03
